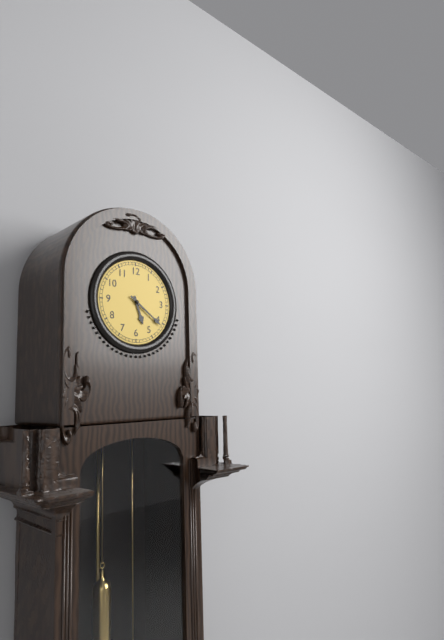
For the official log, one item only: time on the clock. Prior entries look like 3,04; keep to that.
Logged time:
5,21
